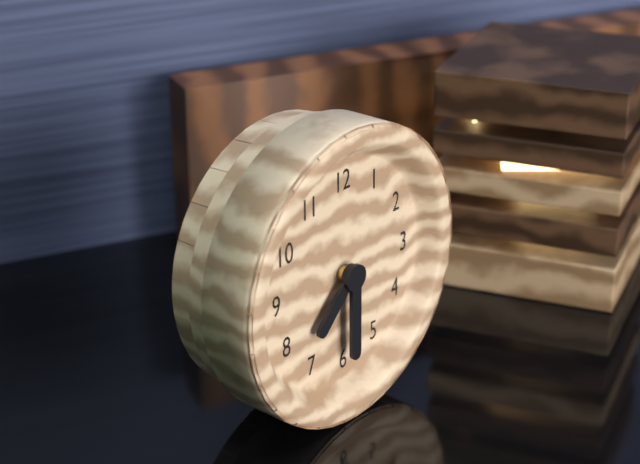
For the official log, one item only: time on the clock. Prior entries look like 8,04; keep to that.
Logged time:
7,30
